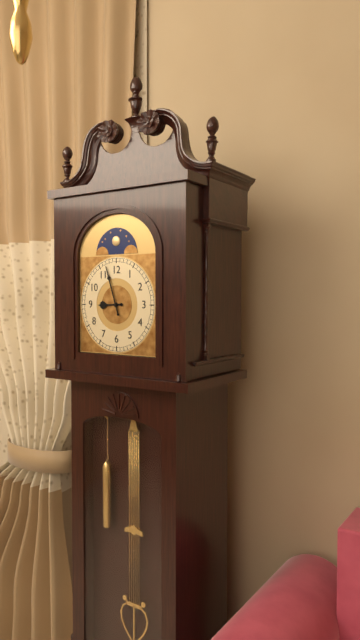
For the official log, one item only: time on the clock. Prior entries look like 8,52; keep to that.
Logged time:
8,57
